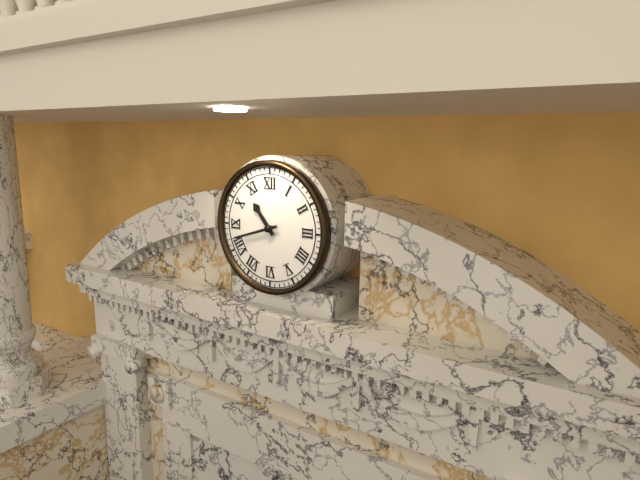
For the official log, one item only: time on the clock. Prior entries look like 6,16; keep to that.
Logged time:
10,42
